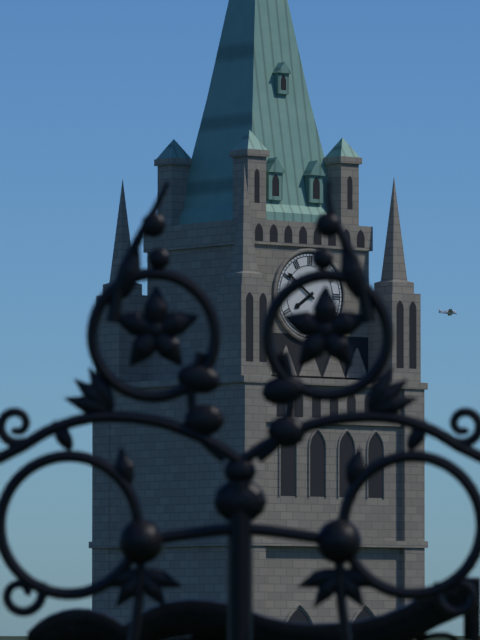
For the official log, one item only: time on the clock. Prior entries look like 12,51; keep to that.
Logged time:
7,51
